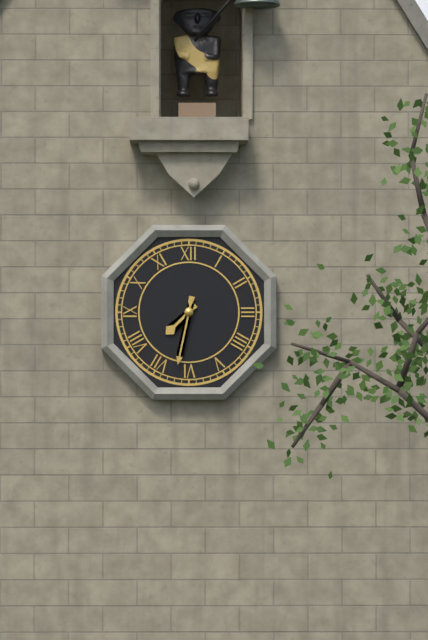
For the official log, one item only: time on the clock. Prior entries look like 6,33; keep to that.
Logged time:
7,32
